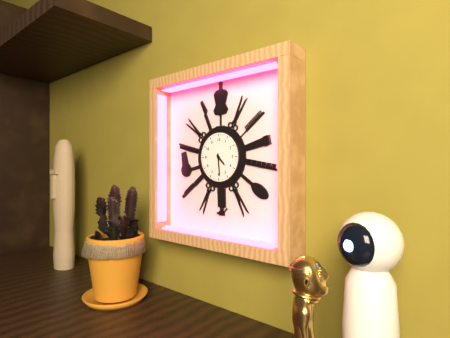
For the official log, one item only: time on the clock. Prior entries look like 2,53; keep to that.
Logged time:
4,29
